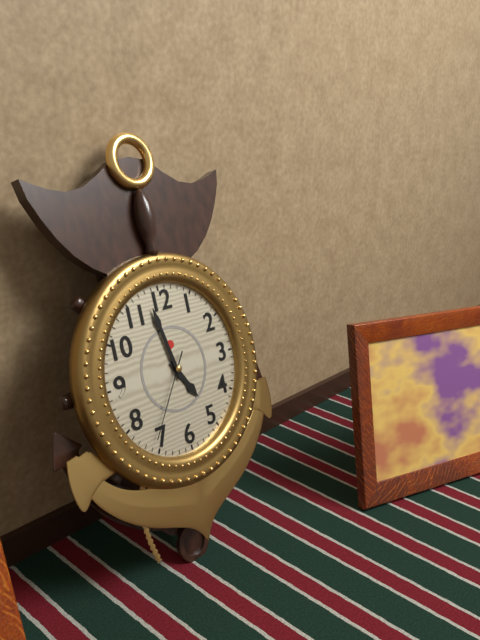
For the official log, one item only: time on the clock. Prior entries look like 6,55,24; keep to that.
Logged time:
4,58,36
